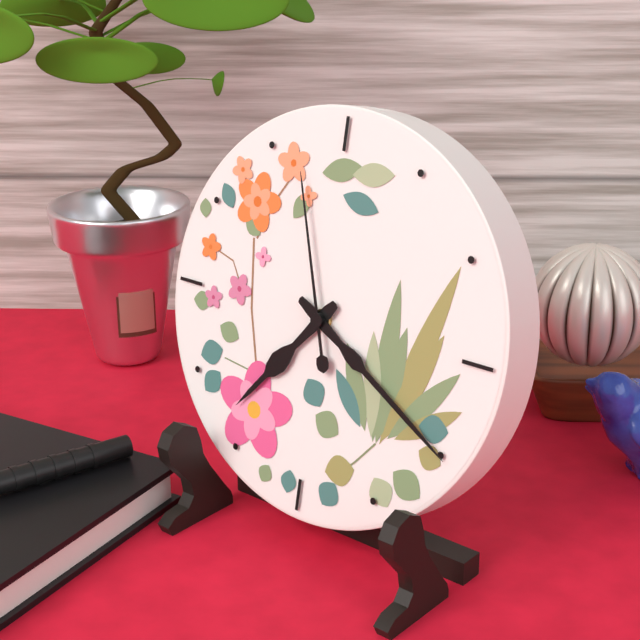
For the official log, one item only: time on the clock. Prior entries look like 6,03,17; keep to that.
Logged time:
7,20,57
